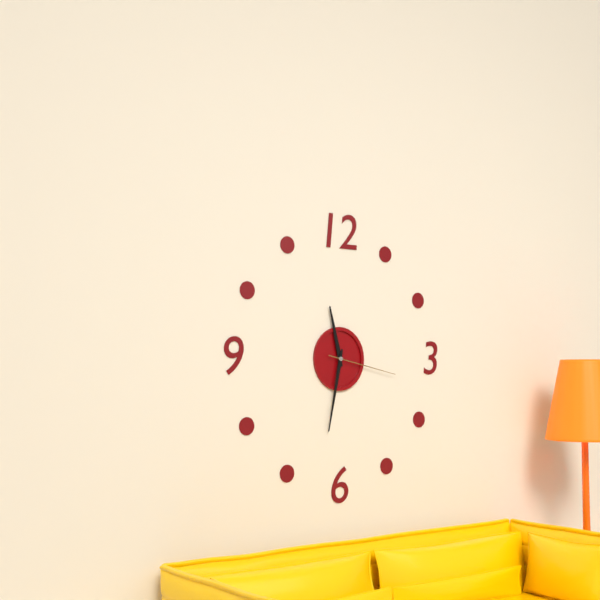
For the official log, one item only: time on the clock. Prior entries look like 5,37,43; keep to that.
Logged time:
11,32,17
